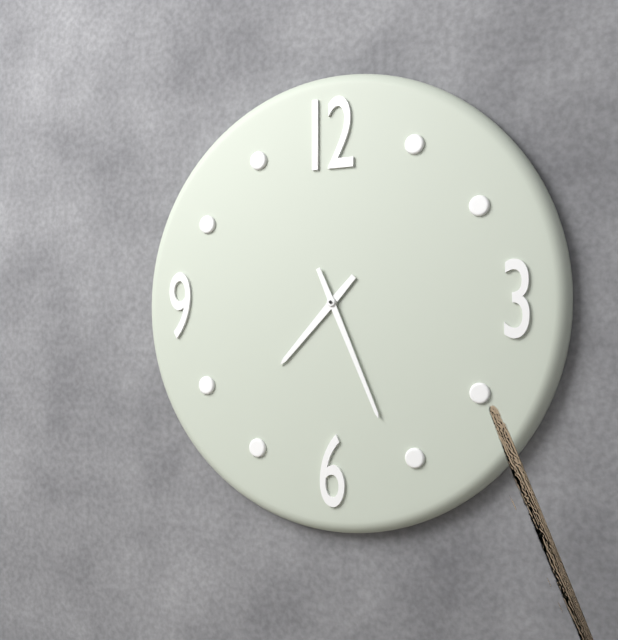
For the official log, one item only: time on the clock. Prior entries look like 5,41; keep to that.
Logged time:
7,26
